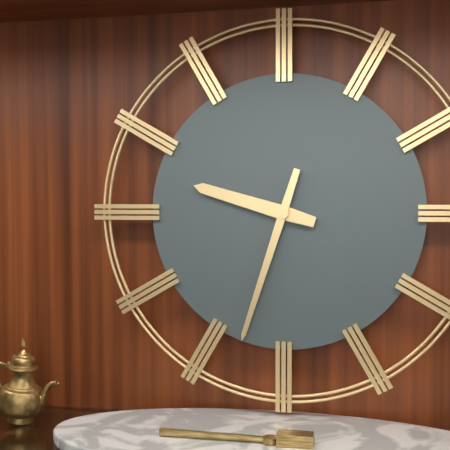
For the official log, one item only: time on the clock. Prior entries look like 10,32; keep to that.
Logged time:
9,33
